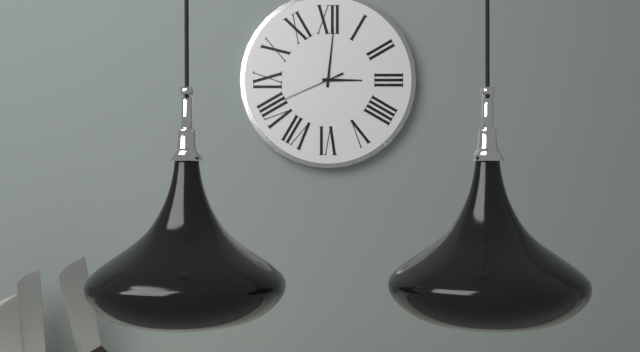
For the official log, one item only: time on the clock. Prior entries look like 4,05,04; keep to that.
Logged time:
3,01,41
